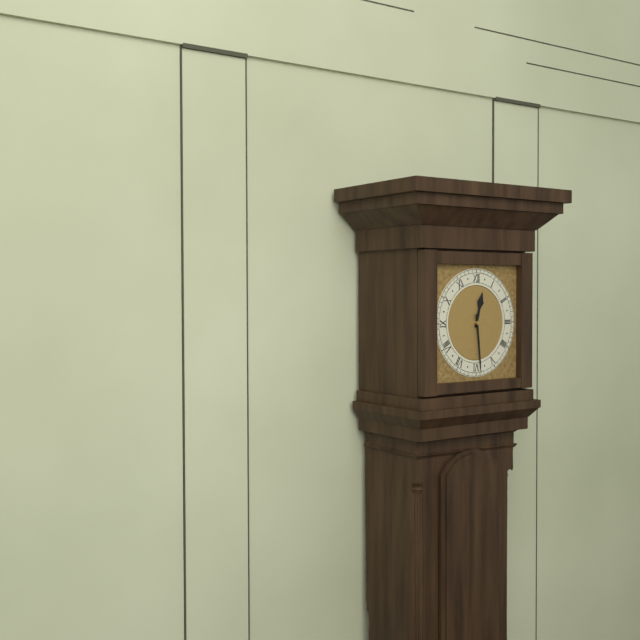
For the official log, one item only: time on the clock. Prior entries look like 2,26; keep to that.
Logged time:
12,29
